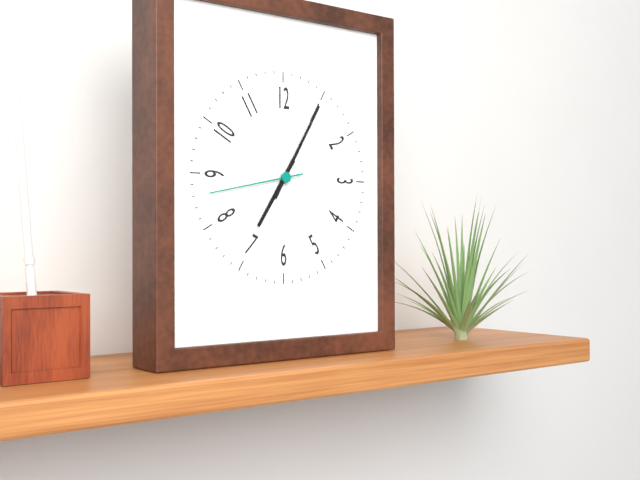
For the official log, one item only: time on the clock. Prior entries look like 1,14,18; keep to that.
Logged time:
7,05,43
